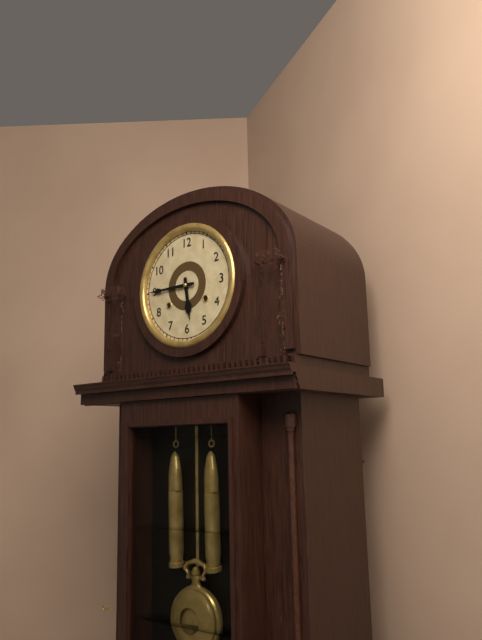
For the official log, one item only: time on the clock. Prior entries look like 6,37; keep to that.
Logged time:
5,45
